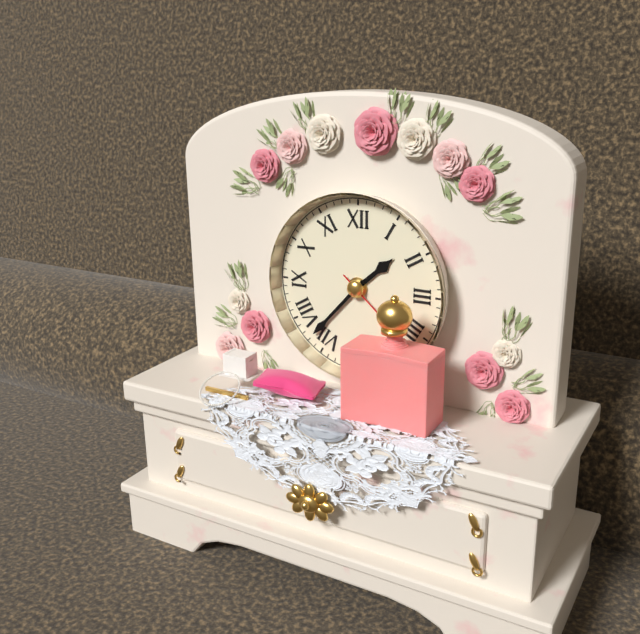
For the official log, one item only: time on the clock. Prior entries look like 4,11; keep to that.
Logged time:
1,37
